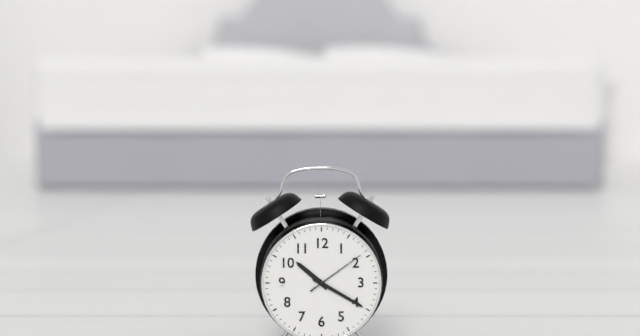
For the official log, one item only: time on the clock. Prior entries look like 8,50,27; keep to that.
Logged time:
10,20,09
